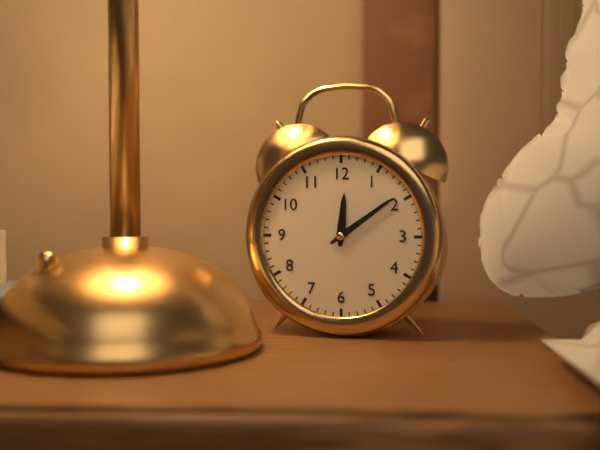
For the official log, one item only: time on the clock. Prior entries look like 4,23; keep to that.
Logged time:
12,09
